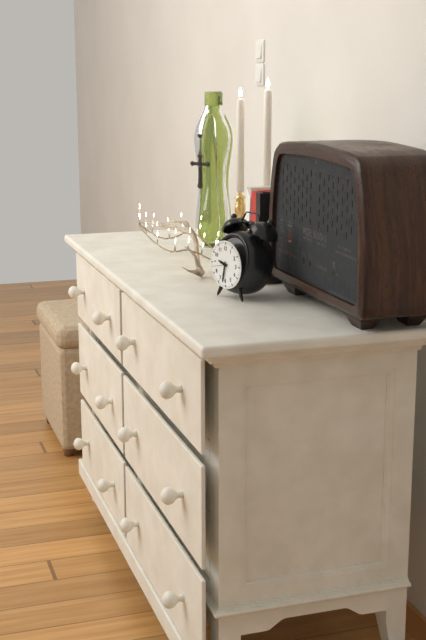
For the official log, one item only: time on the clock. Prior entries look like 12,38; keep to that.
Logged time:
9,32
